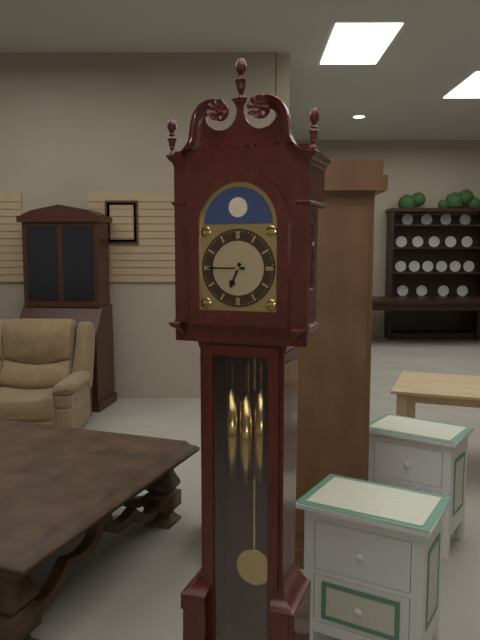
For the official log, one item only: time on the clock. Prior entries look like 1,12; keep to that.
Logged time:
6,45
